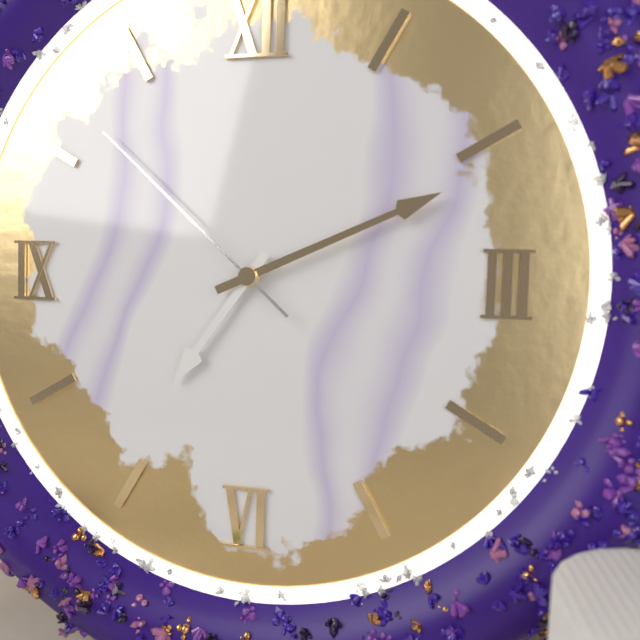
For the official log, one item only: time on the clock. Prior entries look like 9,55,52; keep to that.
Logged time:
7,11,52
